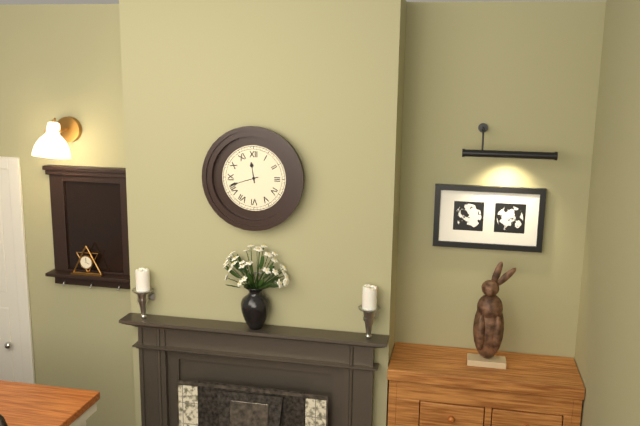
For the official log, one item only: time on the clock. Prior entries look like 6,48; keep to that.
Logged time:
11,42
